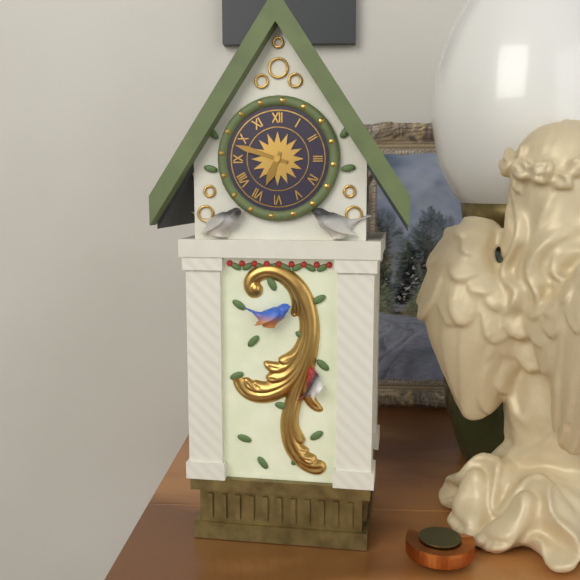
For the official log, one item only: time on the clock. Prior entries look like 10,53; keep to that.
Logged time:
6,48
